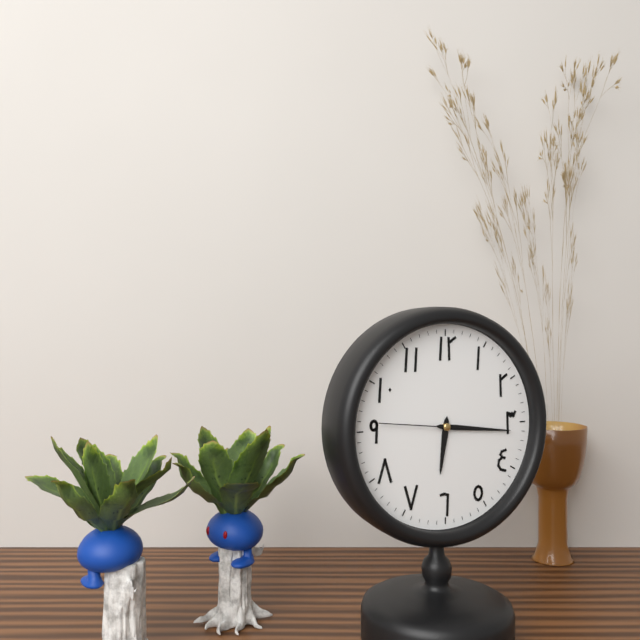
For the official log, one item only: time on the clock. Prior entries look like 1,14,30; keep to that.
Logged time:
6,16,46
